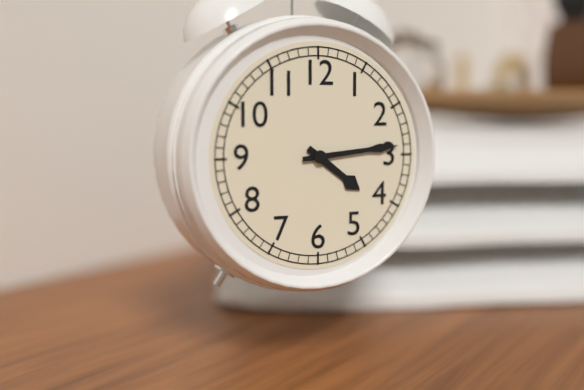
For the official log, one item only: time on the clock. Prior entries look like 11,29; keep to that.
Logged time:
4,14
